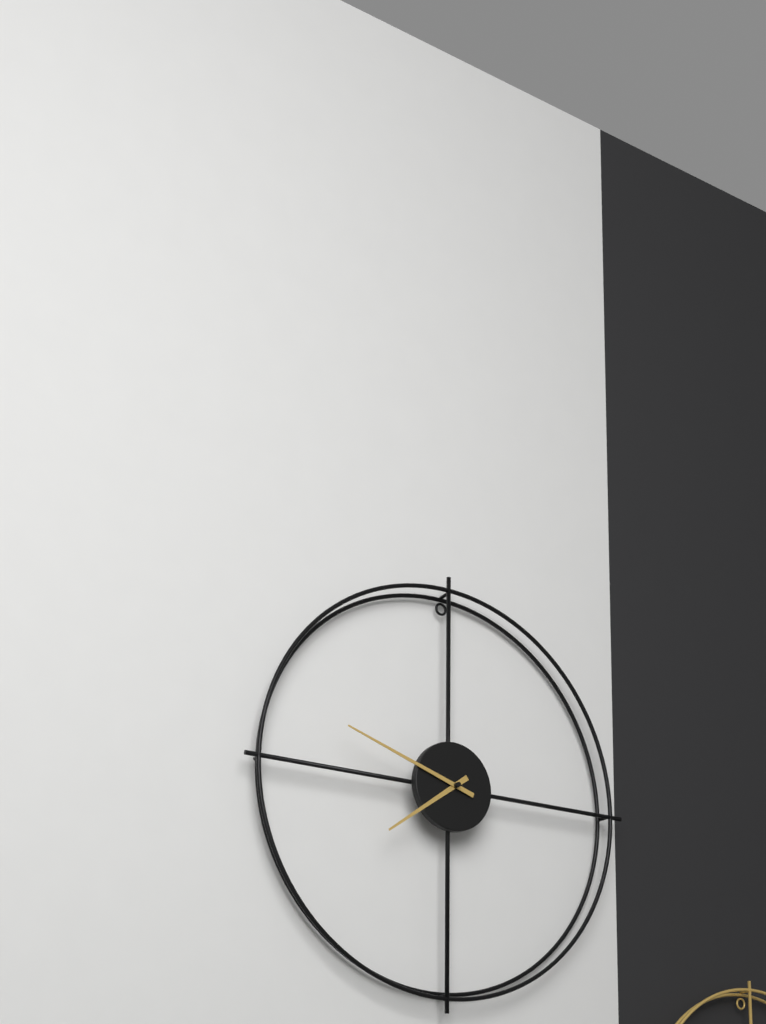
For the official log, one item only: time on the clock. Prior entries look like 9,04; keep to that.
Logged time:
7,48
